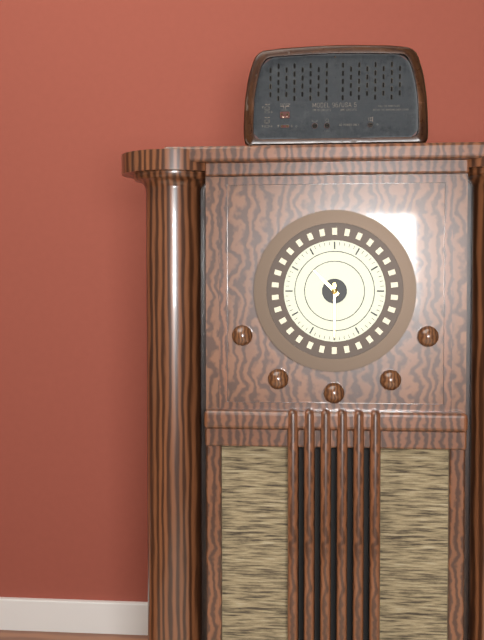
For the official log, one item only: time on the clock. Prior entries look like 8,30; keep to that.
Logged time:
10,30
